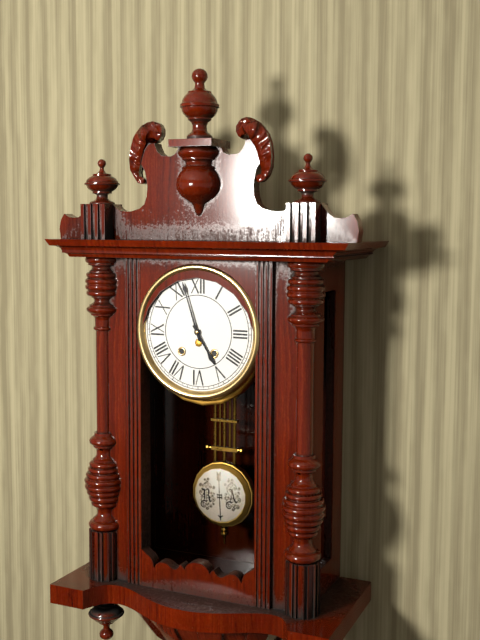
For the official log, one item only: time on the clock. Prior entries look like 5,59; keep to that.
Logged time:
4,57
